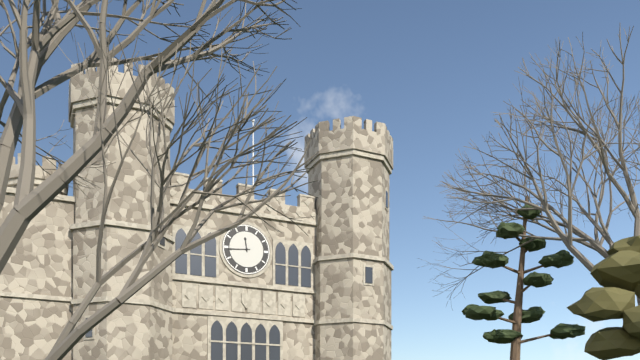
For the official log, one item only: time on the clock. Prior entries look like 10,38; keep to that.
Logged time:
11,44
